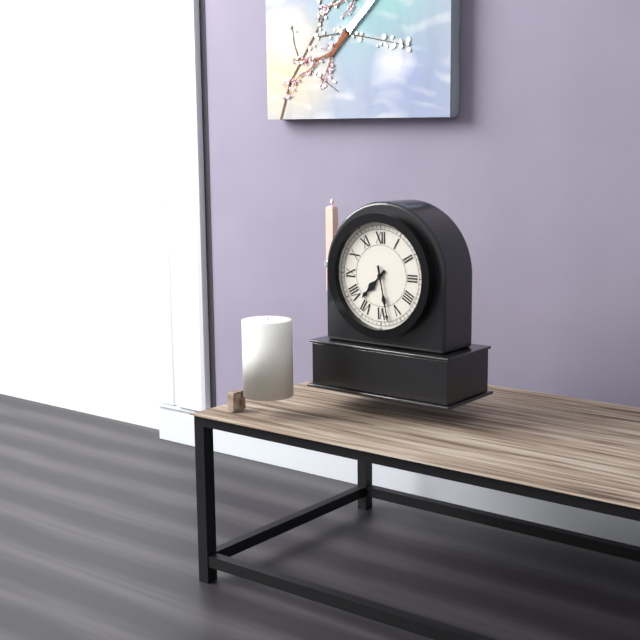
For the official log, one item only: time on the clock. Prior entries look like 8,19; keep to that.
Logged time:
7,28
